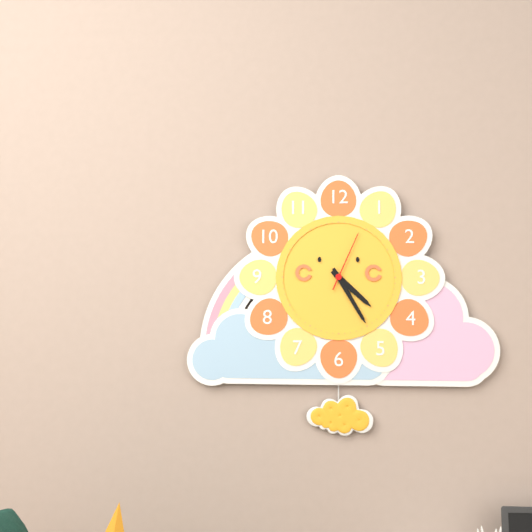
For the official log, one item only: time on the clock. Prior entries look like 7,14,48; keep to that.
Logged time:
4,25,04
